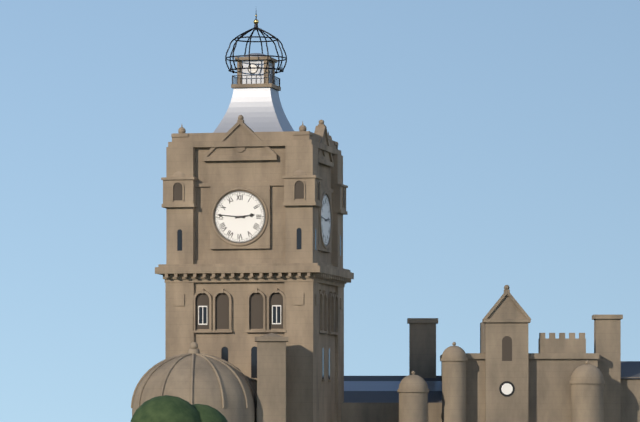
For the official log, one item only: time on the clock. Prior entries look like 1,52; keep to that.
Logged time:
2,46
